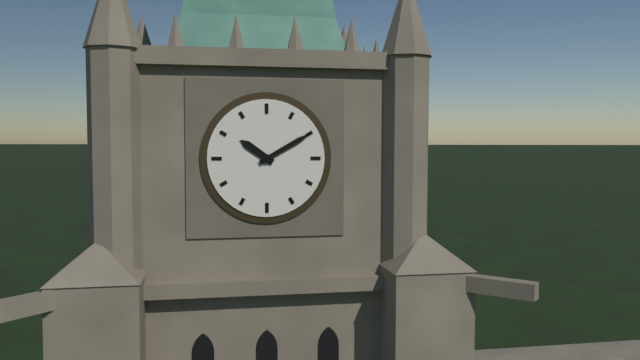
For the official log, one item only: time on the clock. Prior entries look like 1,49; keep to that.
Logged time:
10,10
